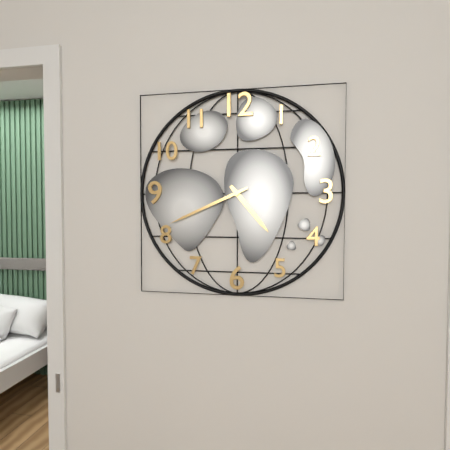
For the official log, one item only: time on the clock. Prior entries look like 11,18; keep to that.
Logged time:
4,41
